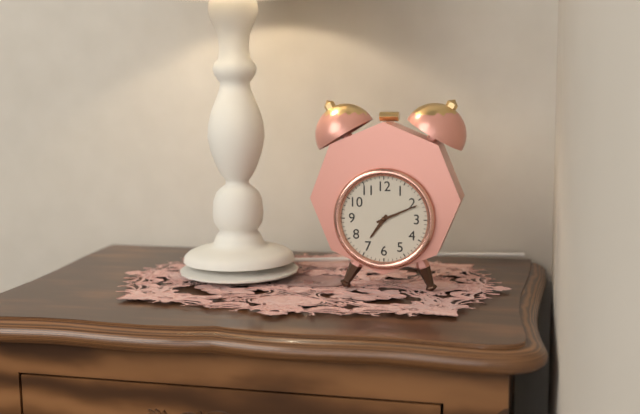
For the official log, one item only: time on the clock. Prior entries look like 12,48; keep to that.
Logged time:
7,11
